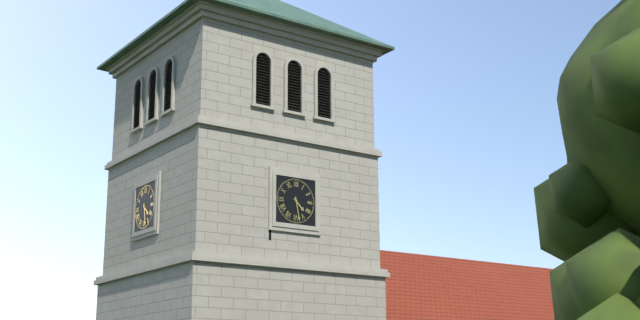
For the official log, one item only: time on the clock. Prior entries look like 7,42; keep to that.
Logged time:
4,28
